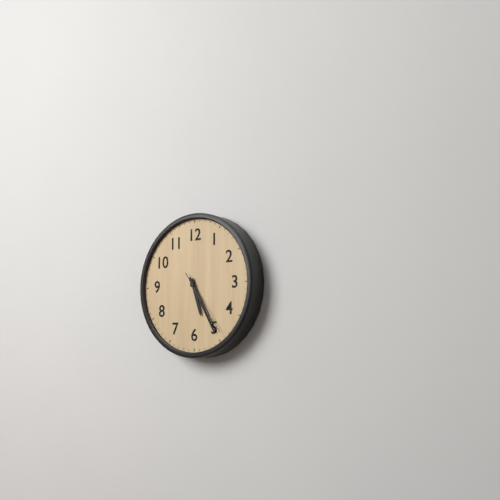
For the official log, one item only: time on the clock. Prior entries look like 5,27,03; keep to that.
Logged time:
5,25,24
